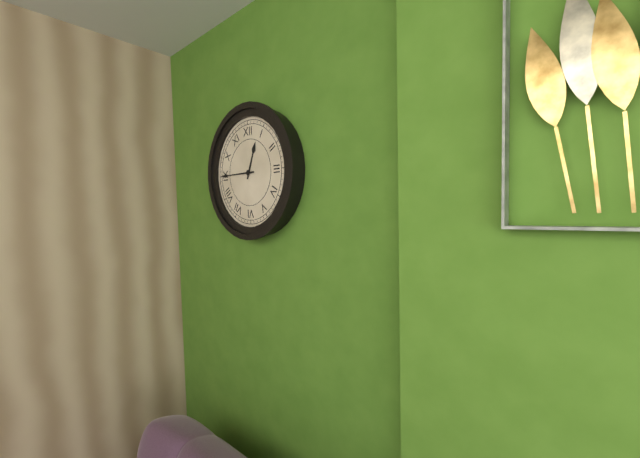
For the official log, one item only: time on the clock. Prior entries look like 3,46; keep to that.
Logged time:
12,45
